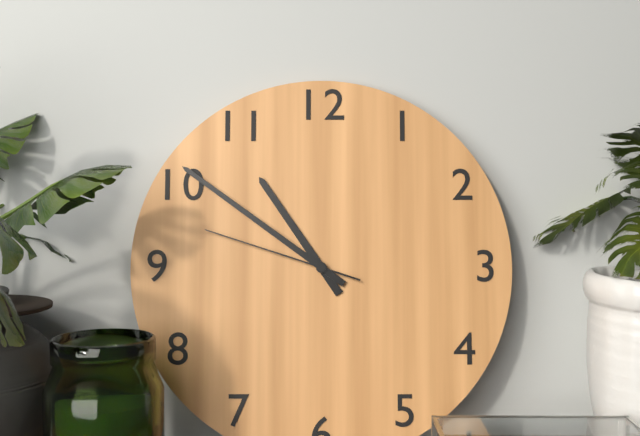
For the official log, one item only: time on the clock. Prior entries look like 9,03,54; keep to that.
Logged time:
10,51,48
